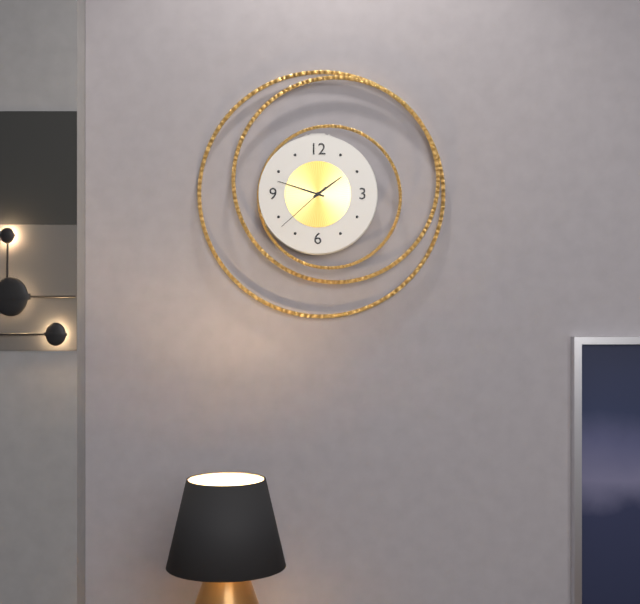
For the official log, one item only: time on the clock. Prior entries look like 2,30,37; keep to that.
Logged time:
1,48,38
